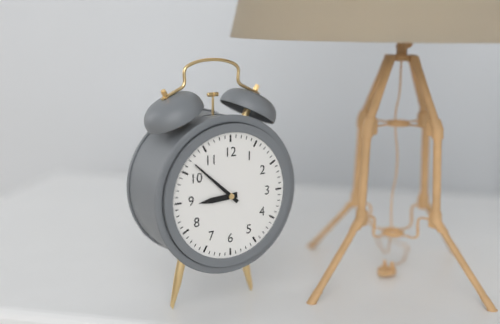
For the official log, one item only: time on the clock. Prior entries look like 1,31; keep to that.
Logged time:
8,52
